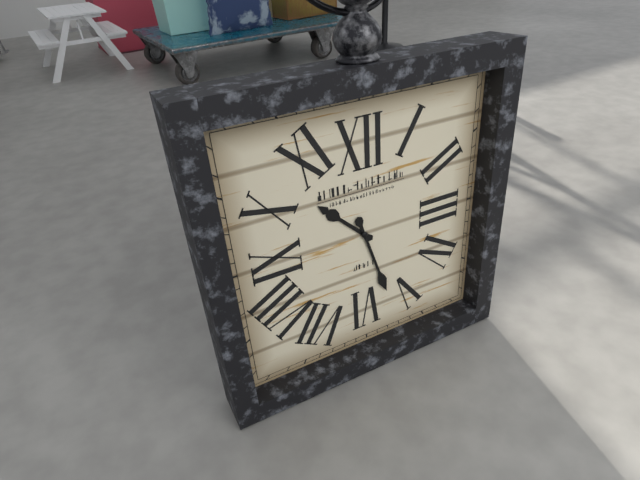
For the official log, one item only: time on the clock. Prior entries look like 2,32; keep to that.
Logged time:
10,27
